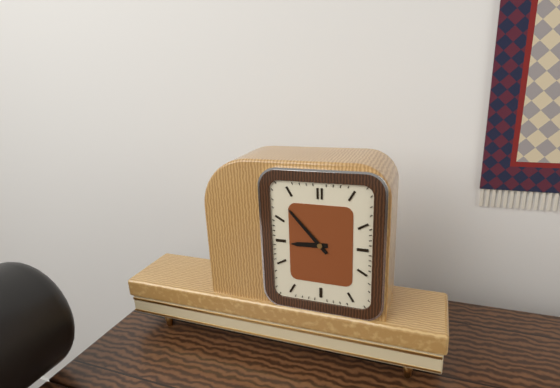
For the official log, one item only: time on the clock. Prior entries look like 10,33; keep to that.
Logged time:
8,53
